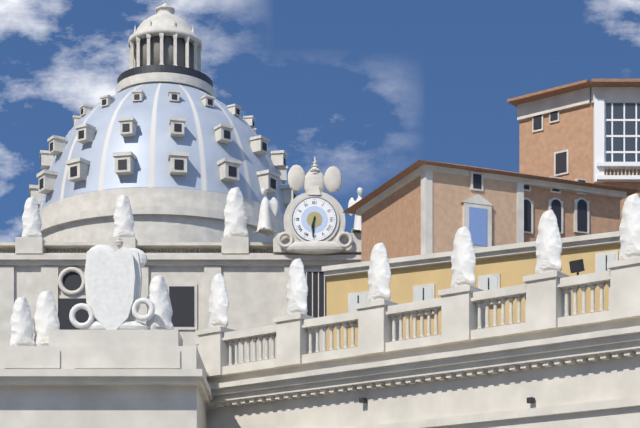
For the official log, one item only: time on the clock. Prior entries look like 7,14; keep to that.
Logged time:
6,31
